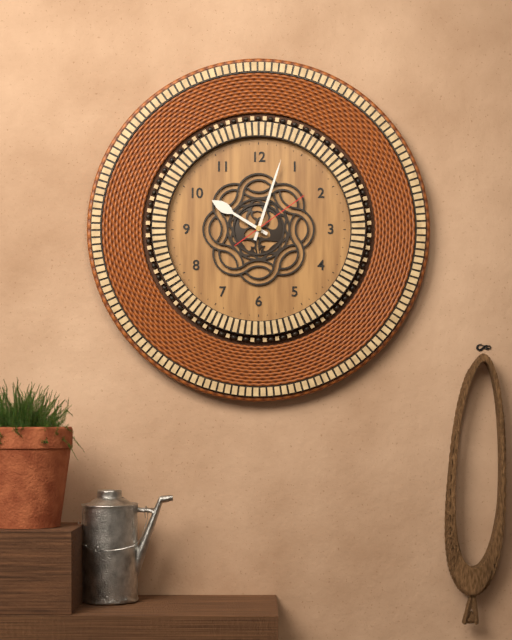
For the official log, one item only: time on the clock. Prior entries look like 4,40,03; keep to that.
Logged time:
10,03,09
